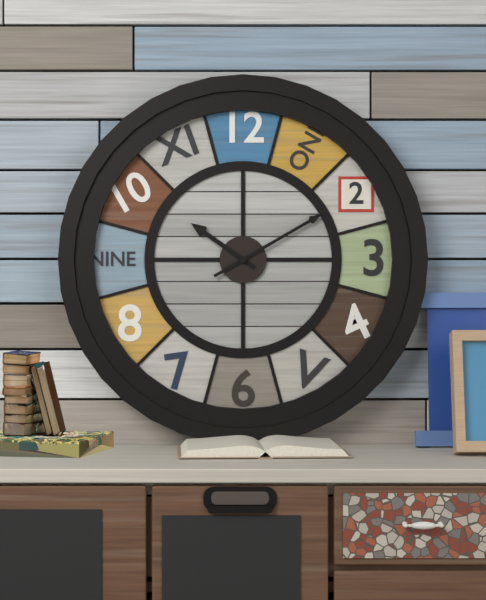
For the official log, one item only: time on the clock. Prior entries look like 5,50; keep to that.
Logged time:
10,10
